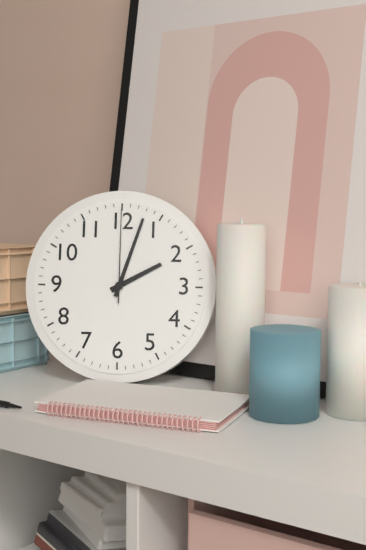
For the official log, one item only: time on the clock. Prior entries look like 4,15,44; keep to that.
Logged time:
2,03,00
